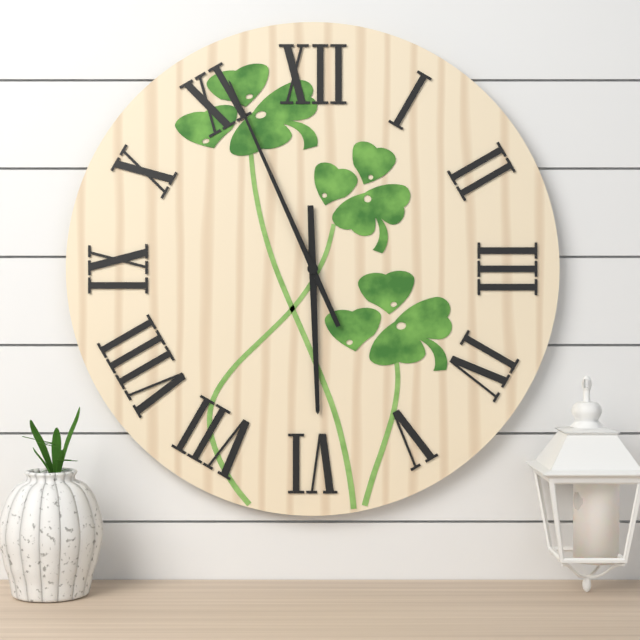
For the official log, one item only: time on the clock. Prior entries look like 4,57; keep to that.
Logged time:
5,56
